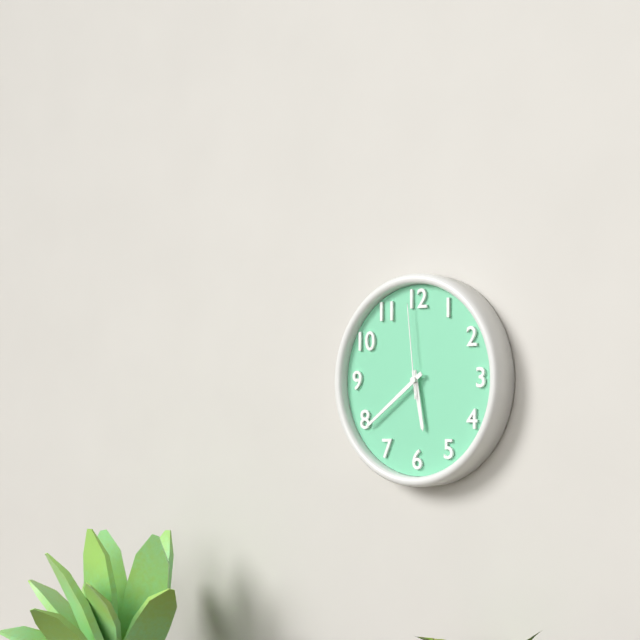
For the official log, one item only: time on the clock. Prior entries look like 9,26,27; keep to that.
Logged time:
5,39,59
